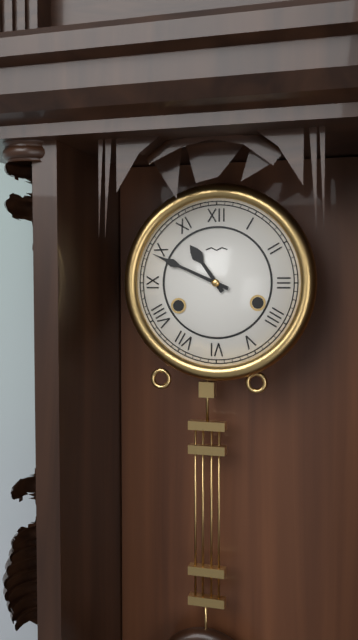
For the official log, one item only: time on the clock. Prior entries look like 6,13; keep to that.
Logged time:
10,49
